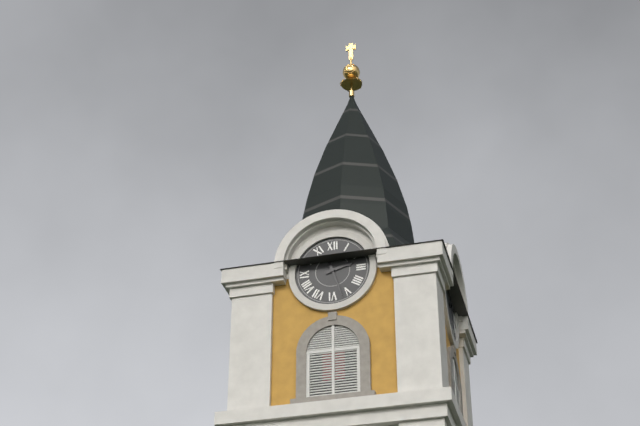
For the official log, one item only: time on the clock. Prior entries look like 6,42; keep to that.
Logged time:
2,27
